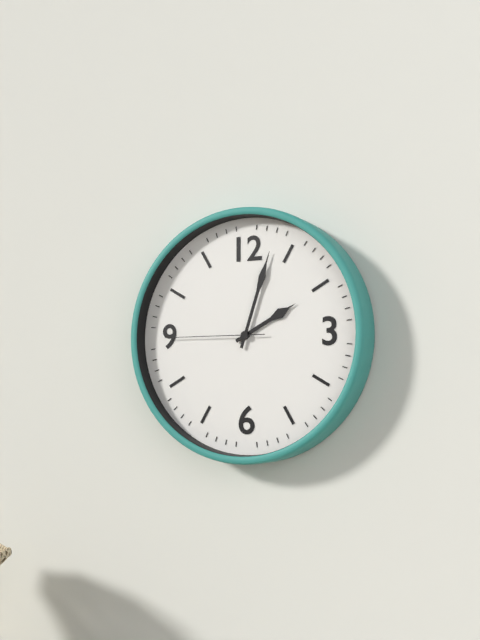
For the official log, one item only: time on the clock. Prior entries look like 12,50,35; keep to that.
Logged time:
2,03,45
